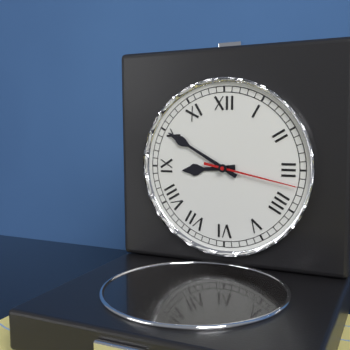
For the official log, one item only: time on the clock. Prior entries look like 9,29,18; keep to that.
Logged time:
8,50,17
